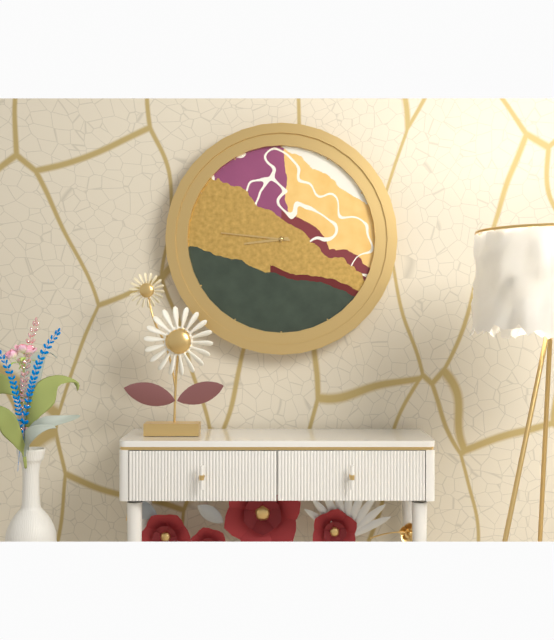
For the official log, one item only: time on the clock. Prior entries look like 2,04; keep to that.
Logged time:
8,46
